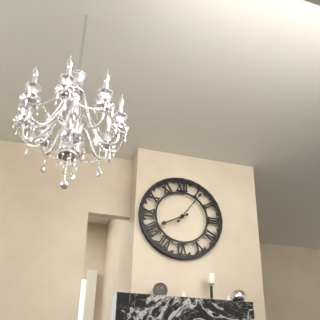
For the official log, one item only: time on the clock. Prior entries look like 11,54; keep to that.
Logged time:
8,06
